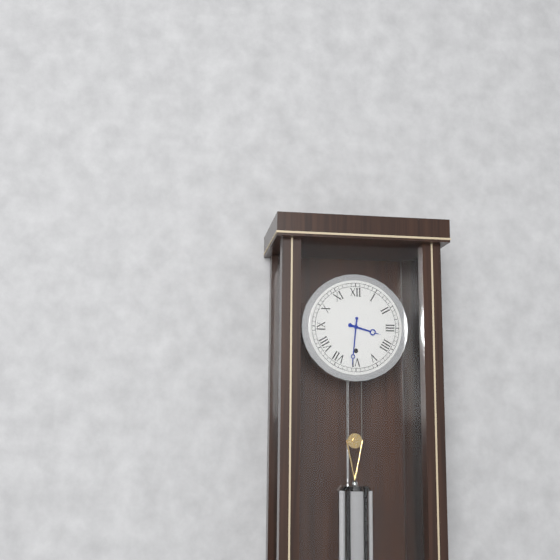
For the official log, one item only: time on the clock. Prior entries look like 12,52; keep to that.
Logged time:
3,31
